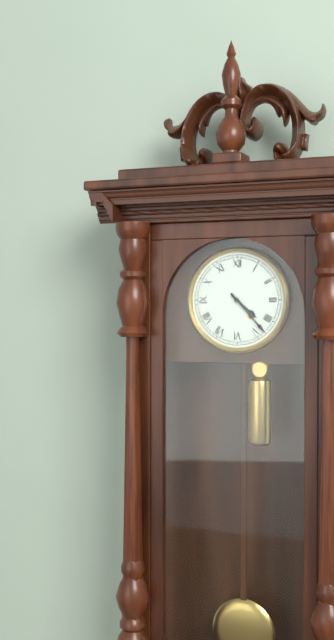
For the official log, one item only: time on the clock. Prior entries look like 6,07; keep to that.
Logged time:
4,23
